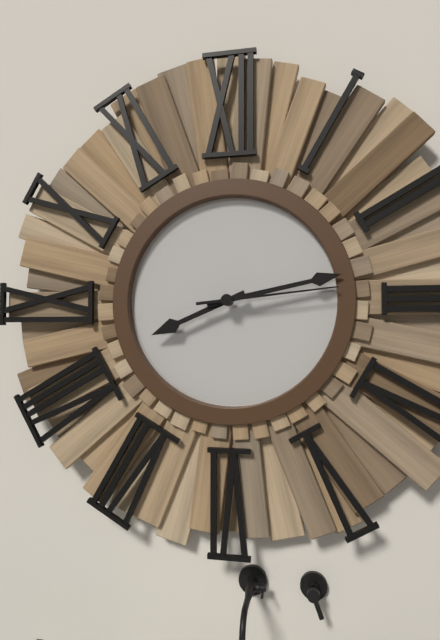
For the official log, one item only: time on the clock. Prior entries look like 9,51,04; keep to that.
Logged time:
8,13,14
